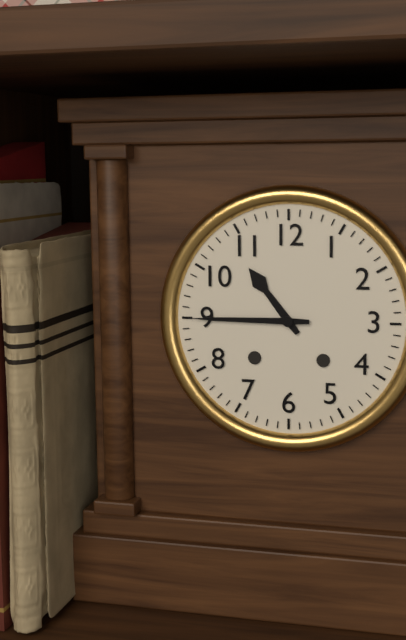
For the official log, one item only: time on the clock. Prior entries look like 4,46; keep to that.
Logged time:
10,45
